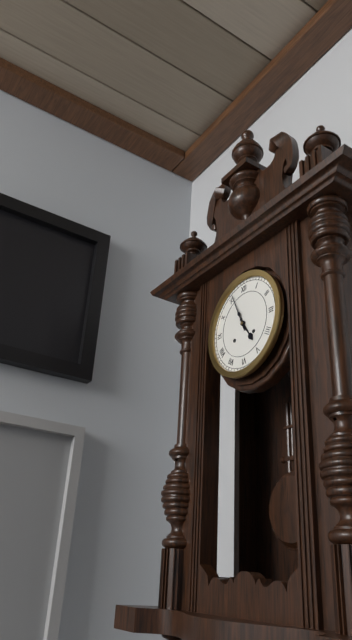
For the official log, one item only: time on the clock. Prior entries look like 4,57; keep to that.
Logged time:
4,56
